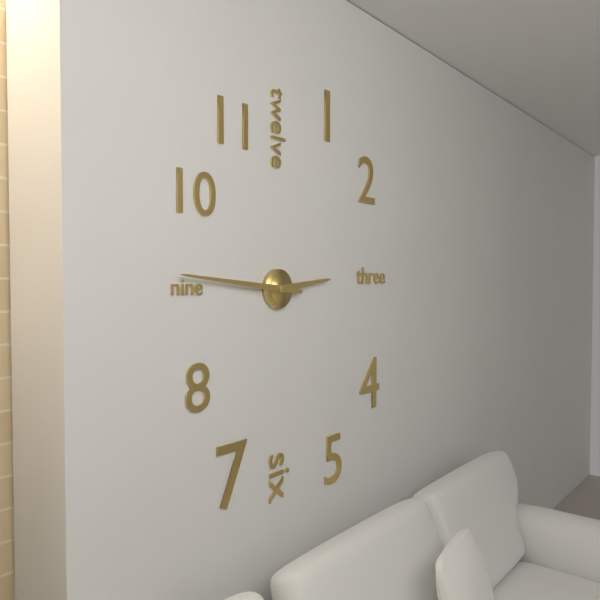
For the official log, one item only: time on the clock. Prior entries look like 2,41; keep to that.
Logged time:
2,46
